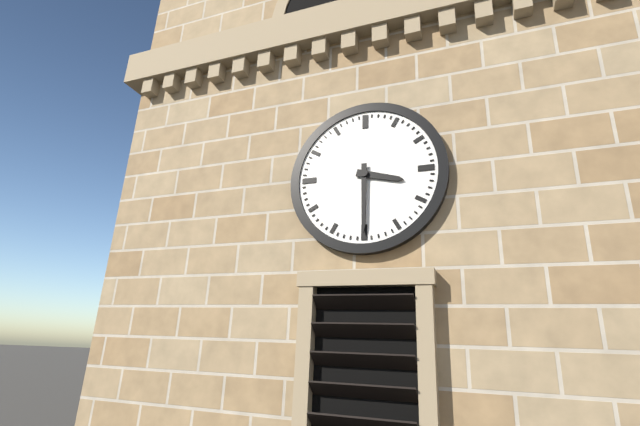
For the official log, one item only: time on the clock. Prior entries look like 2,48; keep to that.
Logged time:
3,30
